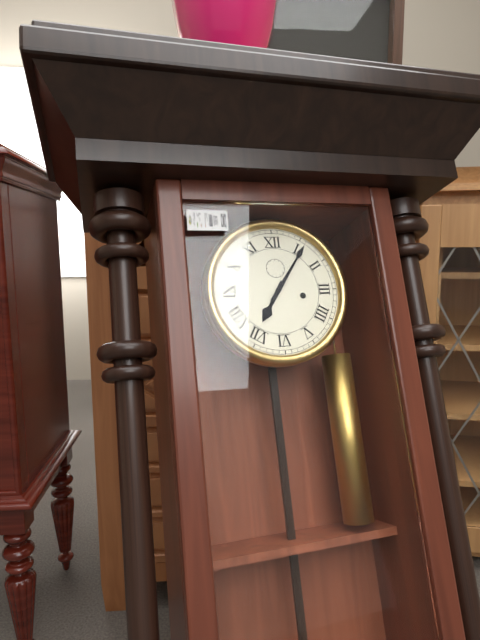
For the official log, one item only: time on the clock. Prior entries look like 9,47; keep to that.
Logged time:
7,06
